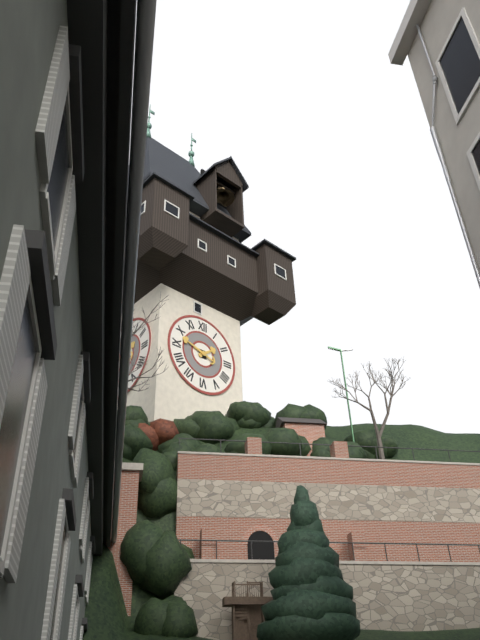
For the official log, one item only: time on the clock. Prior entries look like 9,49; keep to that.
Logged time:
1,48
